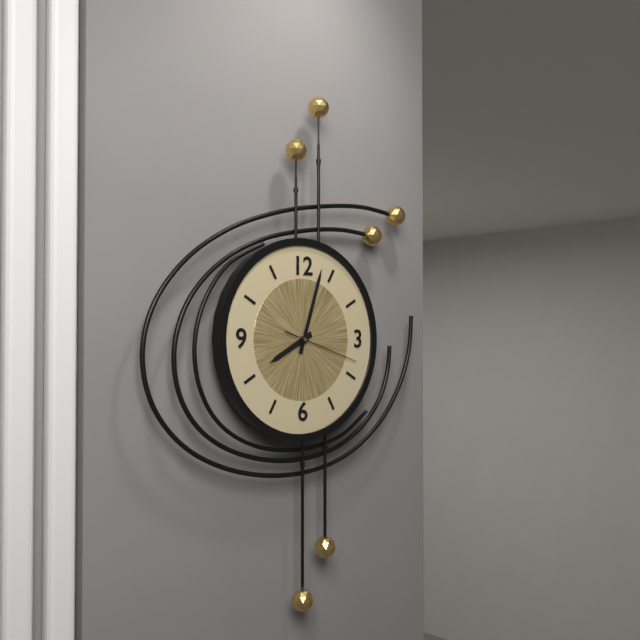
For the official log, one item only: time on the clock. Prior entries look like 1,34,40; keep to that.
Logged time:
8,03,18
